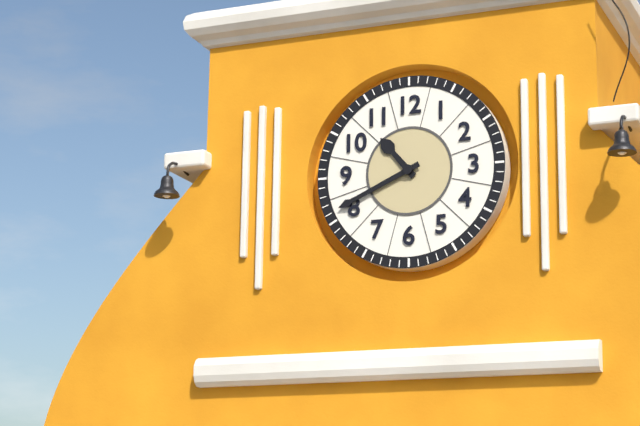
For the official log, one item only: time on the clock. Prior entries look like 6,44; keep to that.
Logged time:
10,41
